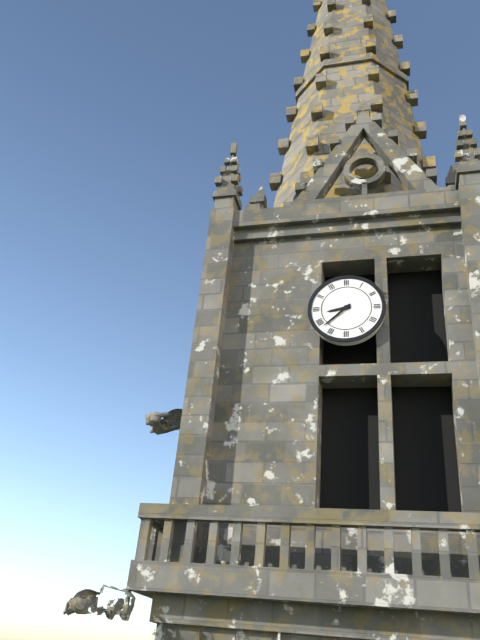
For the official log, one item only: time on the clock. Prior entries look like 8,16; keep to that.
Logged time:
8,38
